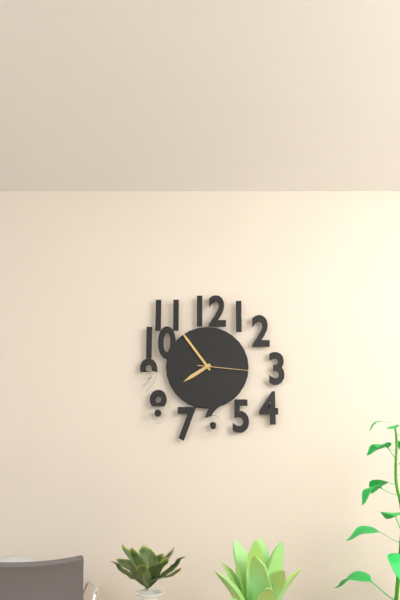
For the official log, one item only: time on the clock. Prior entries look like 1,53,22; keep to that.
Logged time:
7,54,16
